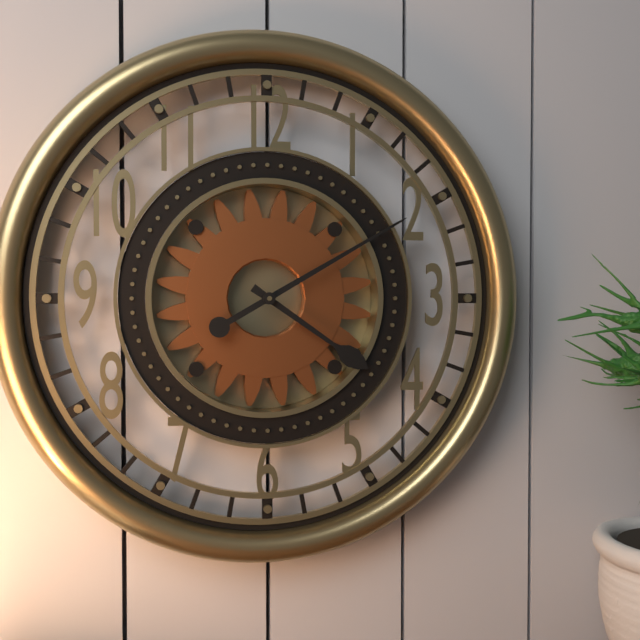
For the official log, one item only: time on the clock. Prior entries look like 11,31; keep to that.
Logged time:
4,10
